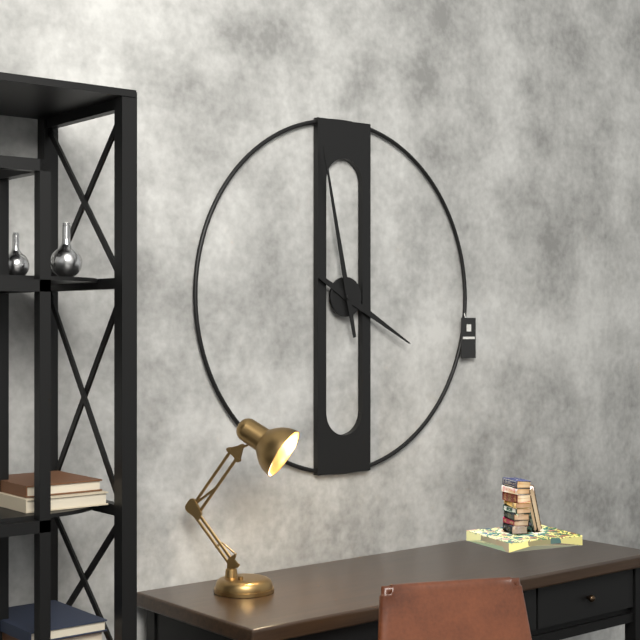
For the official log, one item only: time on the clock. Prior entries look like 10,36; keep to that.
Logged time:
3,58
